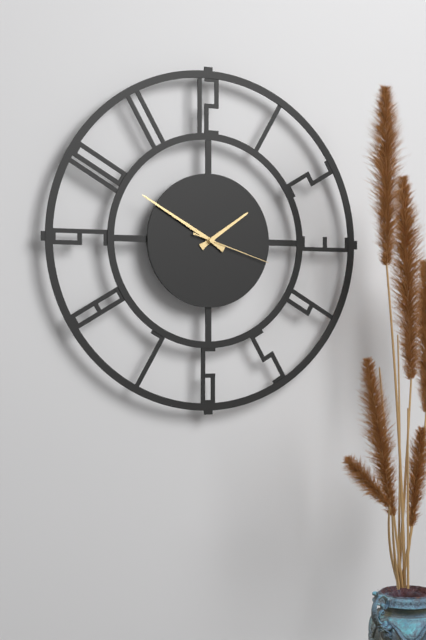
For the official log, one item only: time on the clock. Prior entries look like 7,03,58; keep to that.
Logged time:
1,50,18
